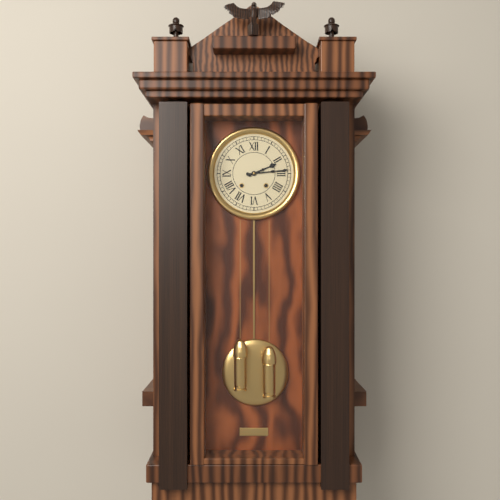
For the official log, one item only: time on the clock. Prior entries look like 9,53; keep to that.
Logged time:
2,14
